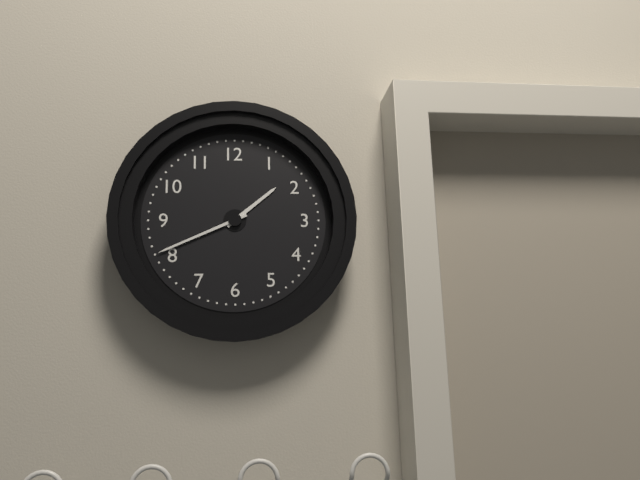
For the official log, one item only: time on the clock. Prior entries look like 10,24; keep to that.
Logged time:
1,41
